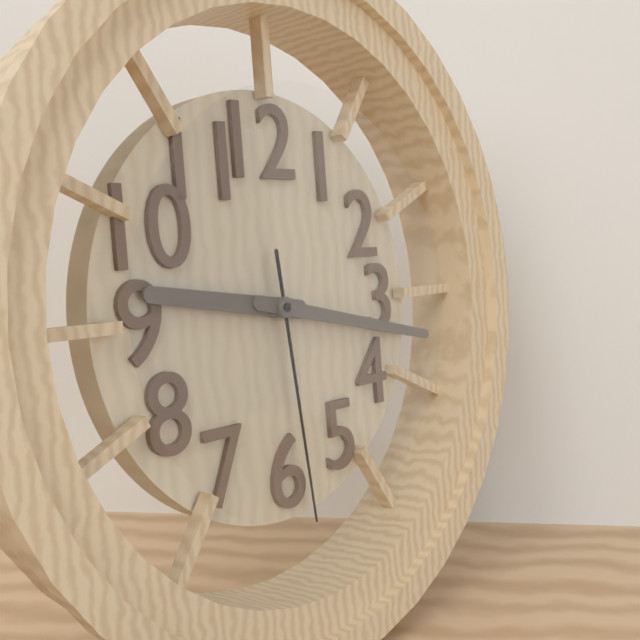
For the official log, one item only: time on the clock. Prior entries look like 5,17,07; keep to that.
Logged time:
9,17,29
